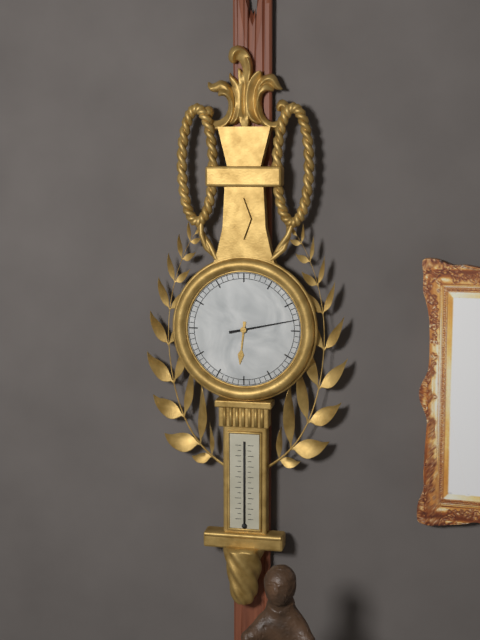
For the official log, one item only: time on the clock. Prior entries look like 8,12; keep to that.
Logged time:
6,13
